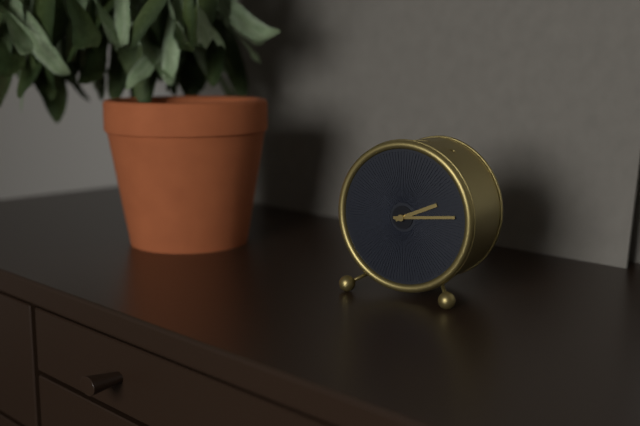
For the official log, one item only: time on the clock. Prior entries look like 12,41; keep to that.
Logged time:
2,14
